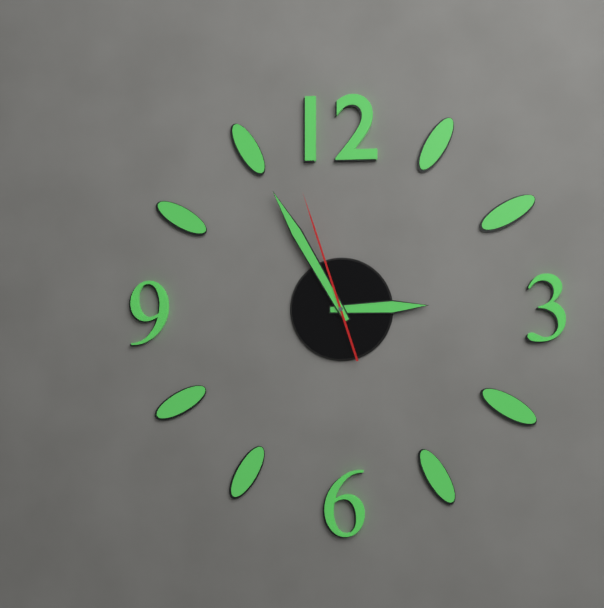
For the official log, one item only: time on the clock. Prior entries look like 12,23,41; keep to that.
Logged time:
2,55,57
